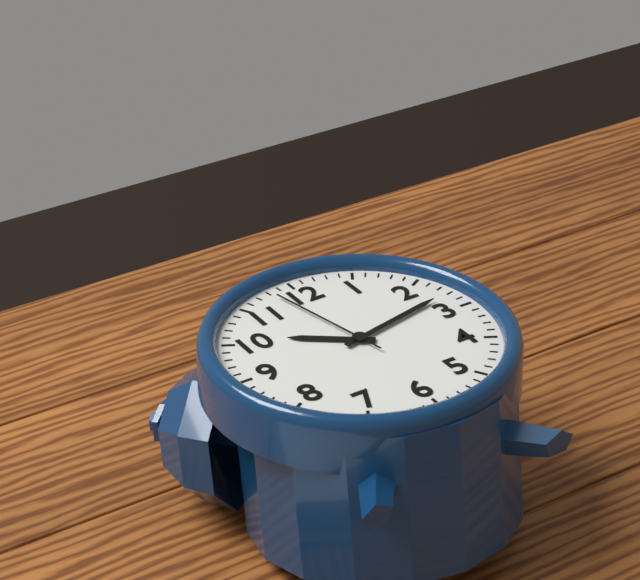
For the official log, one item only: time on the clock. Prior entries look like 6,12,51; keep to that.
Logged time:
10,13,58
